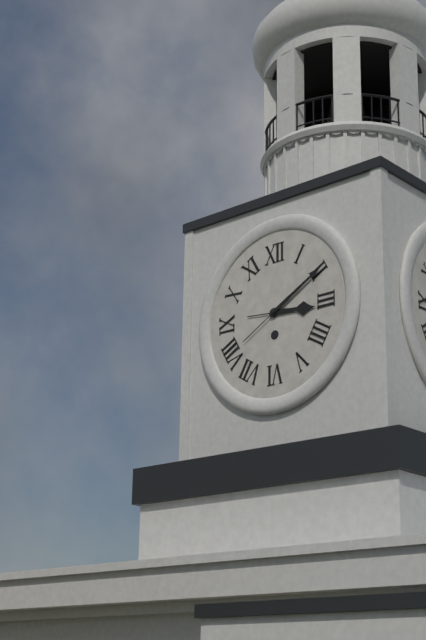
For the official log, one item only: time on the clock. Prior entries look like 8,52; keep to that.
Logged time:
3,10
